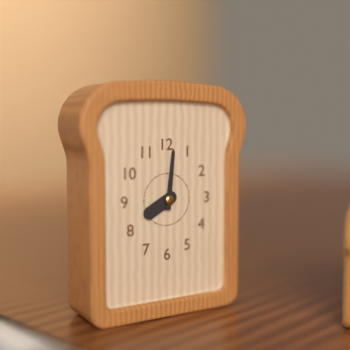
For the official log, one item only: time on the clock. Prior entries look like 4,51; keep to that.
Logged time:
8,01
